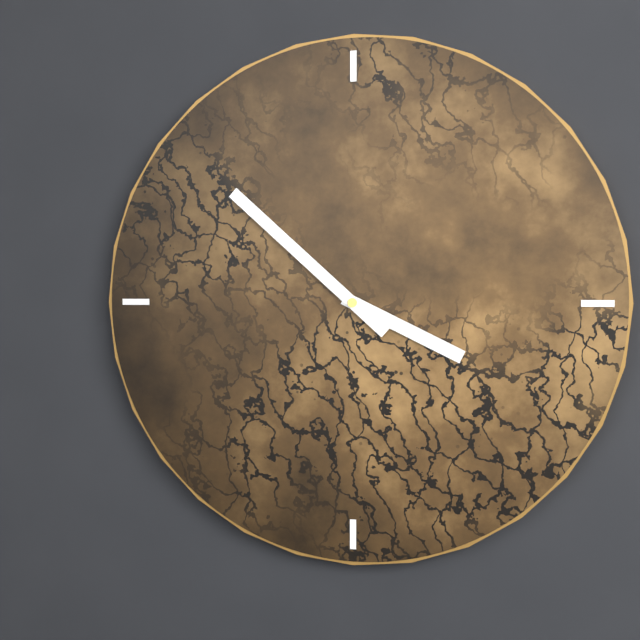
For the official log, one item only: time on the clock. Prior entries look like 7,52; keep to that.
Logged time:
3,52
